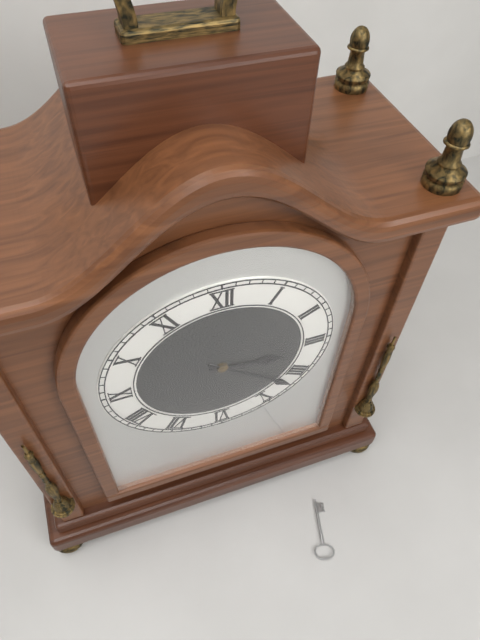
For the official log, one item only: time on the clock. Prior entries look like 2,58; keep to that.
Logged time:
3,22
